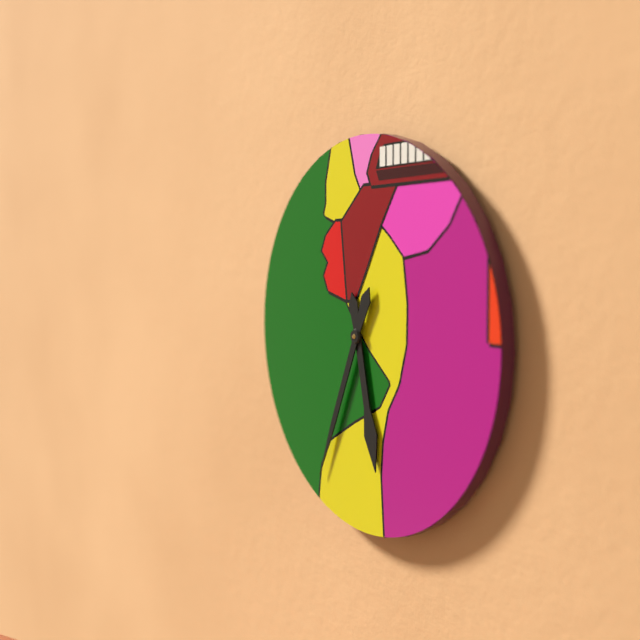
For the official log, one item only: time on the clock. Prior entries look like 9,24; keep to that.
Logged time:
5,34
